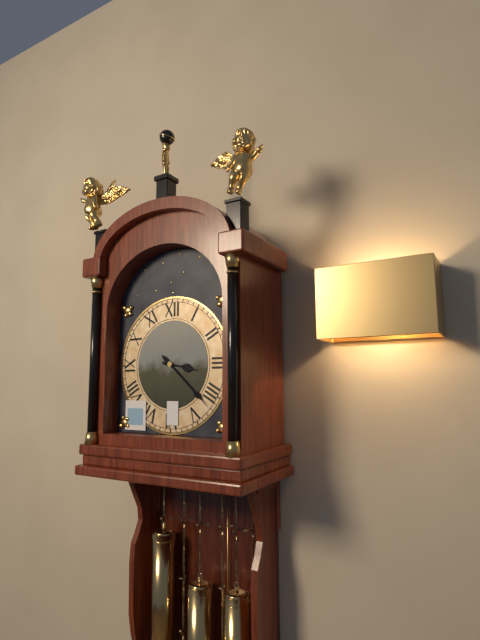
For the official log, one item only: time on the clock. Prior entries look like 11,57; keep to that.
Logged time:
3,22
